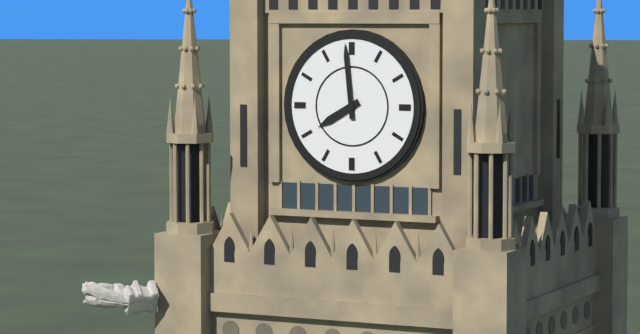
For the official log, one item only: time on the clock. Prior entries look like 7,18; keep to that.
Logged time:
7,59
